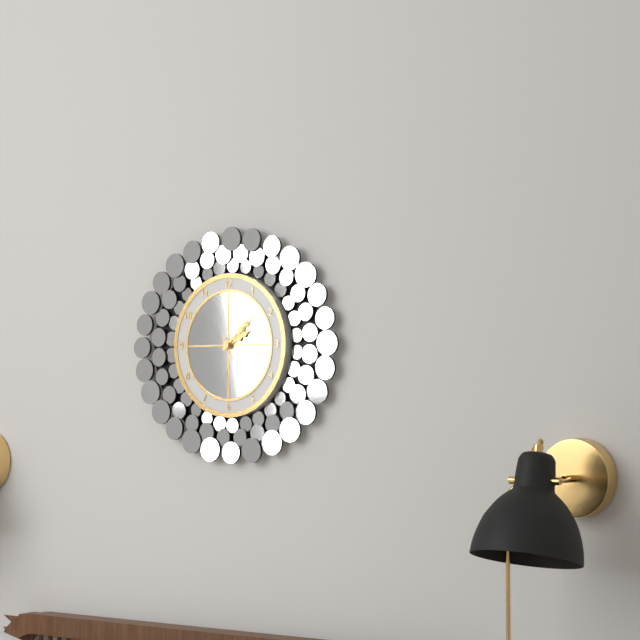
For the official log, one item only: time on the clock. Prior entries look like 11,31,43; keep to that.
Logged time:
2,08,24
